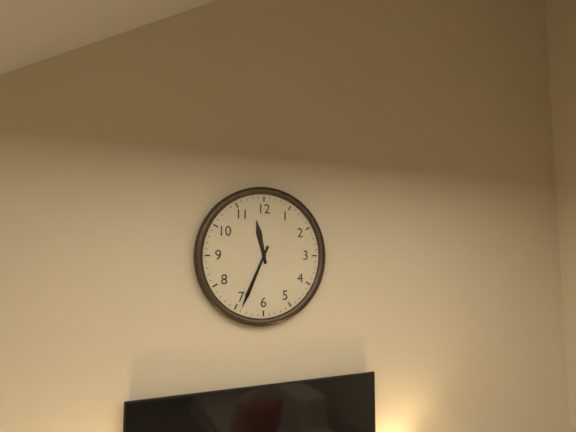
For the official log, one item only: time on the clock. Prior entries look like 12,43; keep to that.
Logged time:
11,34
